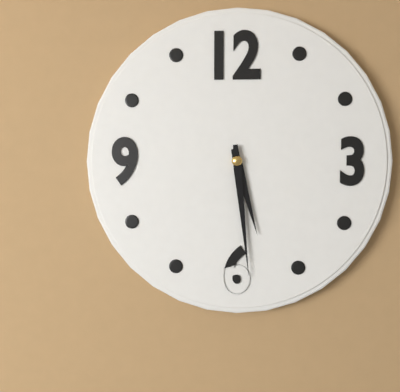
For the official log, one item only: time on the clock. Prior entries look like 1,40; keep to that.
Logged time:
5,29
